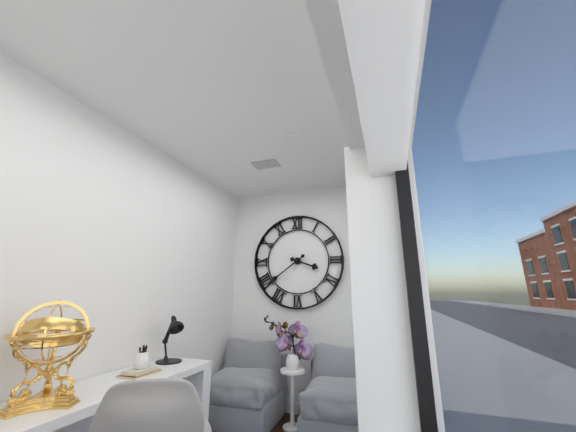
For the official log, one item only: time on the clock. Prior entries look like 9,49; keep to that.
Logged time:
3,39
